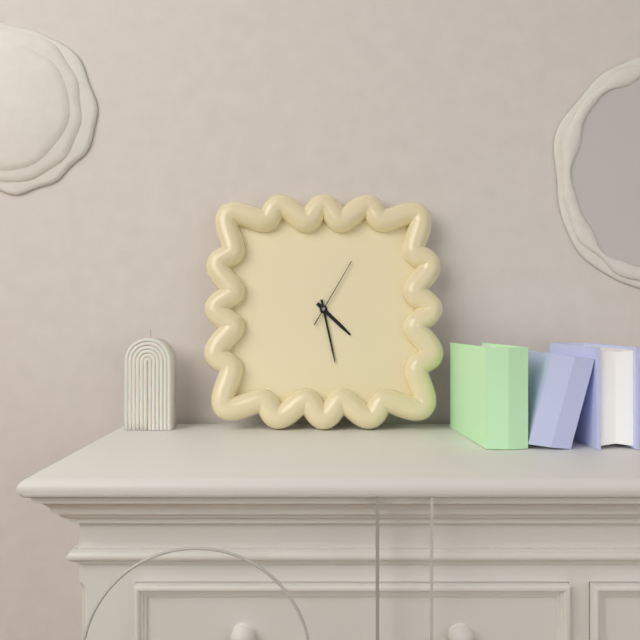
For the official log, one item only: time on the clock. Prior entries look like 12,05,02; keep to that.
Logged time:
4,28,05
